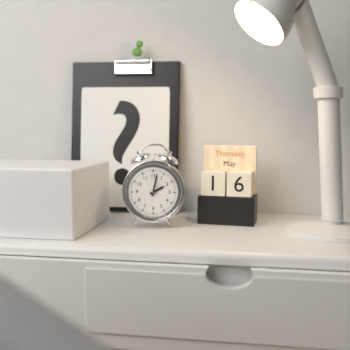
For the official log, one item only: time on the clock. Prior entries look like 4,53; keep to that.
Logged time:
2,02
